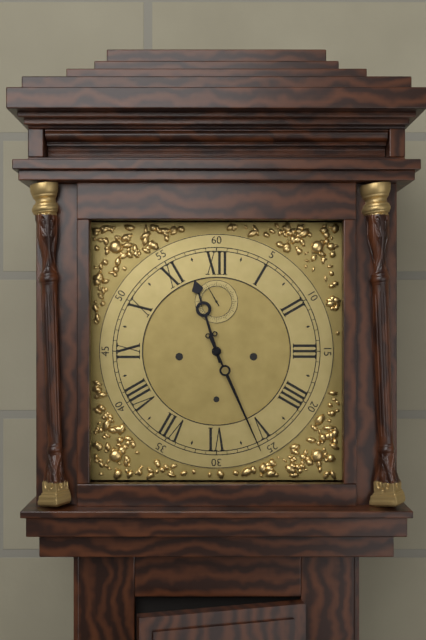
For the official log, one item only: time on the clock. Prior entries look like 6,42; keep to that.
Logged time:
11,26
